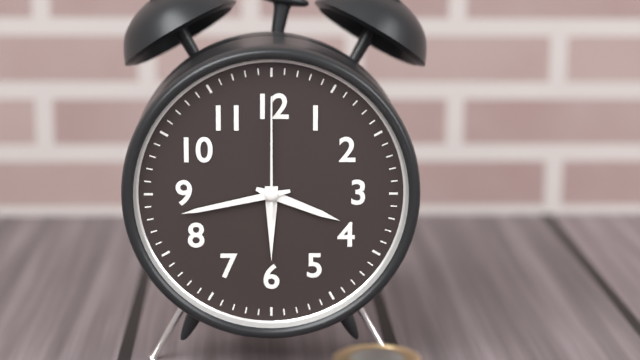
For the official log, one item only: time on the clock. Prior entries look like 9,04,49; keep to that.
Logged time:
3,43,00
